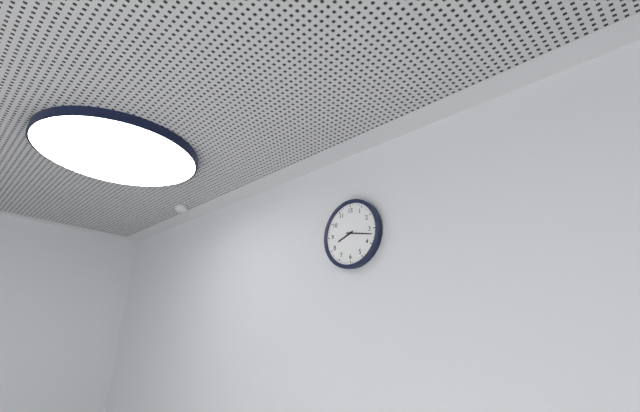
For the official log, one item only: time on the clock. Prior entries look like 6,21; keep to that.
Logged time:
8,17
